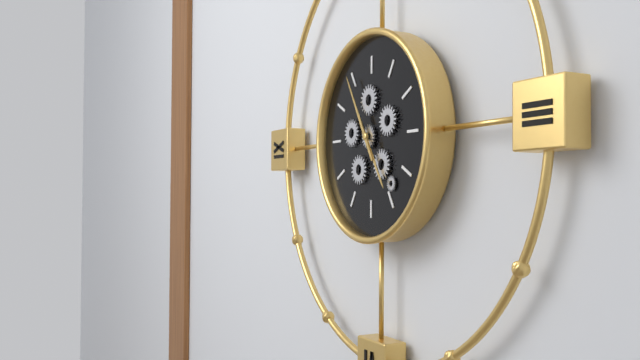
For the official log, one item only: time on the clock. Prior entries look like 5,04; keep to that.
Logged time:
4,55
